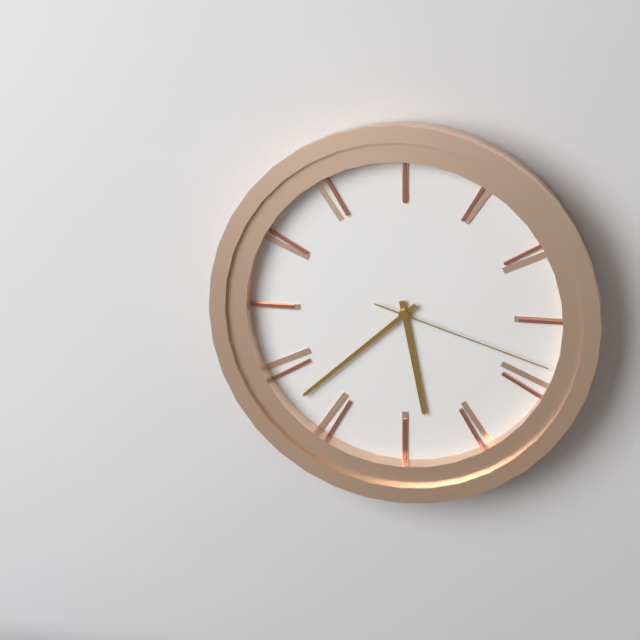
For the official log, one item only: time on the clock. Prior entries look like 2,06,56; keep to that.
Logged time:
5,38,18
